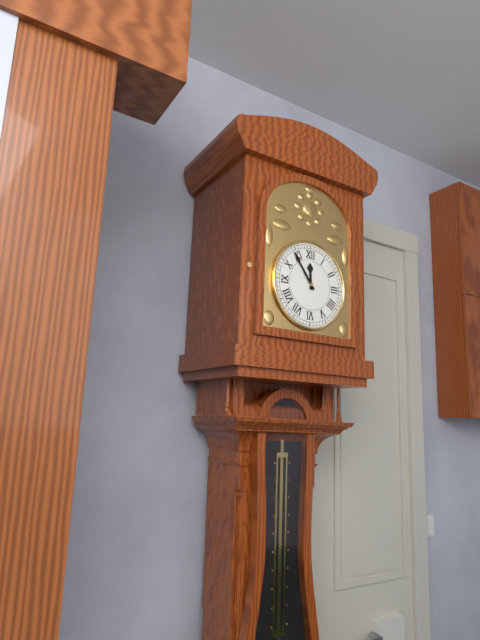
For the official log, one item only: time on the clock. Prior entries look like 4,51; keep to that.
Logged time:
11,54
